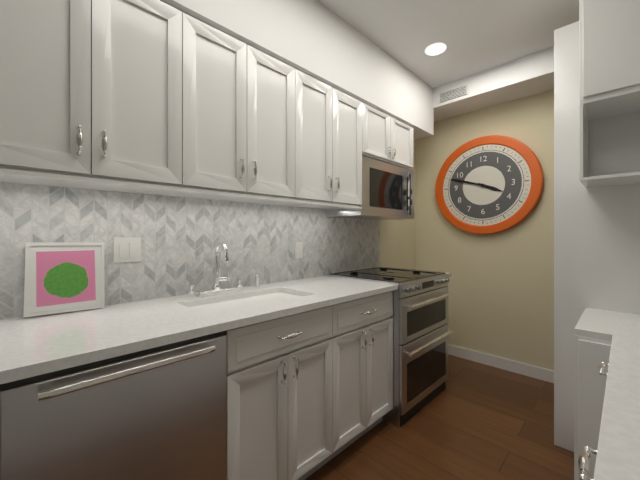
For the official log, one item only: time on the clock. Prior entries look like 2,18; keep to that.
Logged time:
3,48
